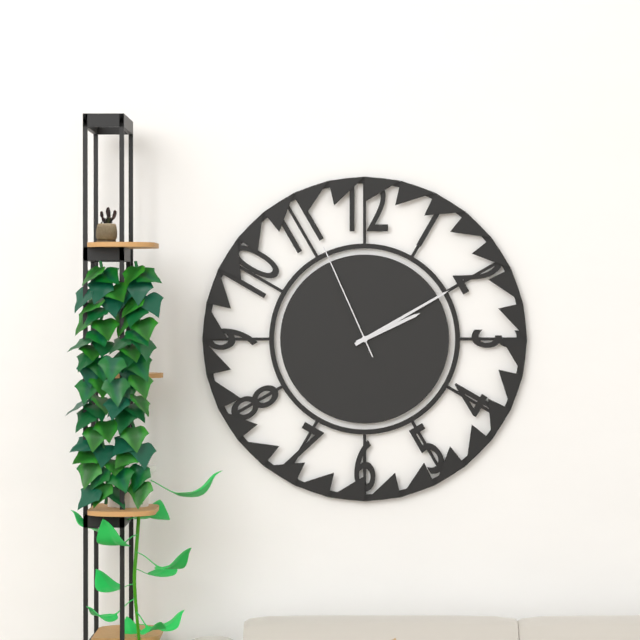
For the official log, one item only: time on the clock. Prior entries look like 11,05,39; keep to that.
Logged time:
2,10,56
